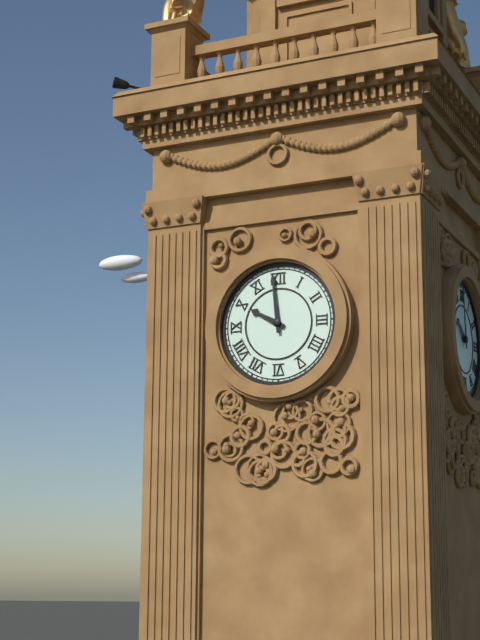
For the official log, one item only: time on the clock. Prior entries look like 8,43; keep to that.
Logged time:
9,59
